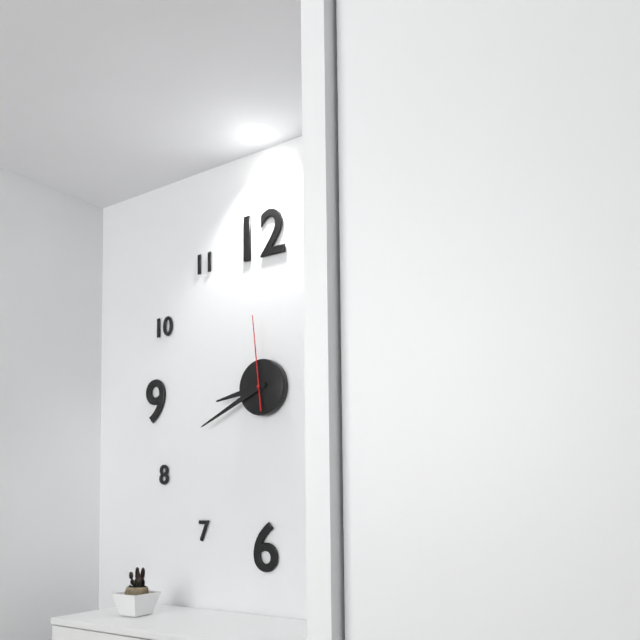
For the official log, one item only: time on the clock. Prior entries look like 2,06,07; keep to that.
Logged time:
8,41,59
